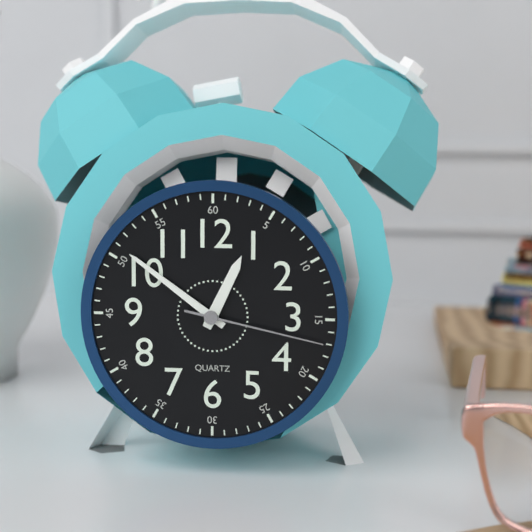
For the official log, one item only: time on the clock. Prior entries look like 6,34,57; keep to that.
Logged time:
12,51,17
